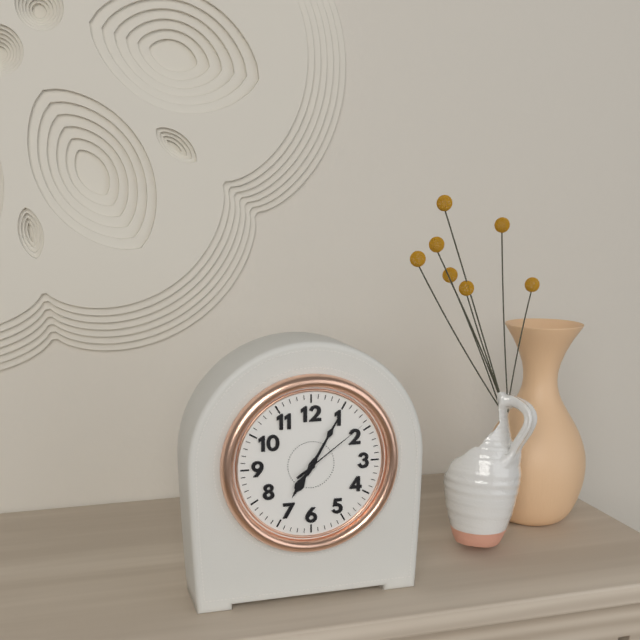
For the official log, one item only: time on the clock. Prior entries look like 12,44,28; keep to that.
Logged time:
7,05,09
